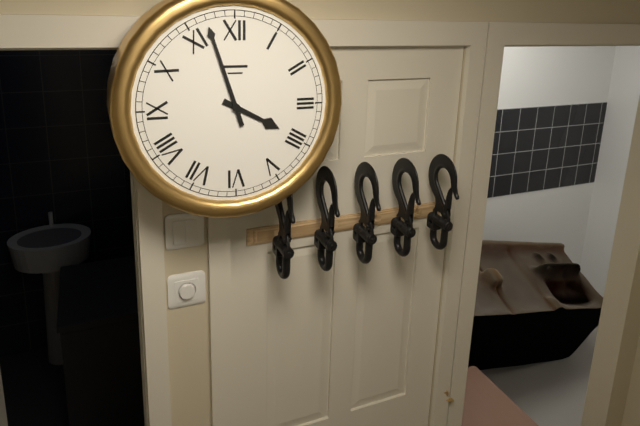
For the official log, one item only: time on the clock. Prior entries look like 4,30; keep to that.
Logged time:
3,57
